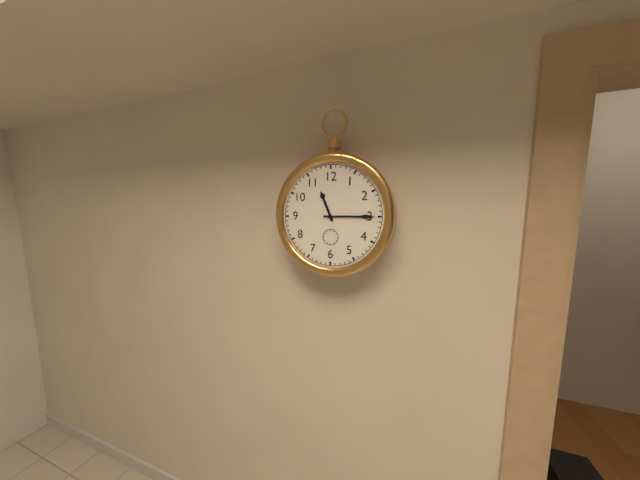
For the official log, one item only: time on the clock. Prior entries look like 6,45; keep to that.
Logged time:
11,15
